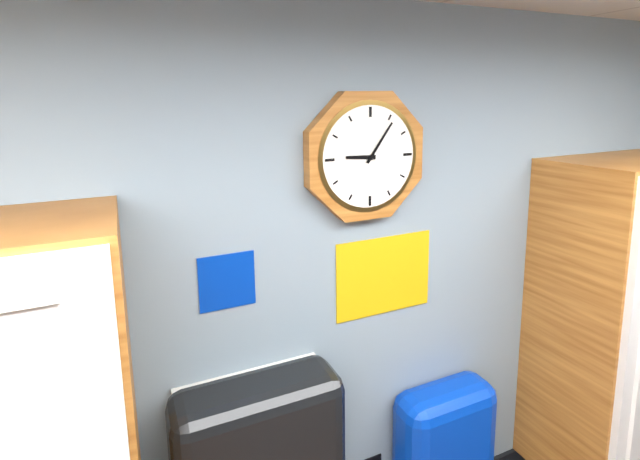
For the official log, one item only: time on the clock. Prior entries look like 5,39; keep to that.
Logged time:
9,06
